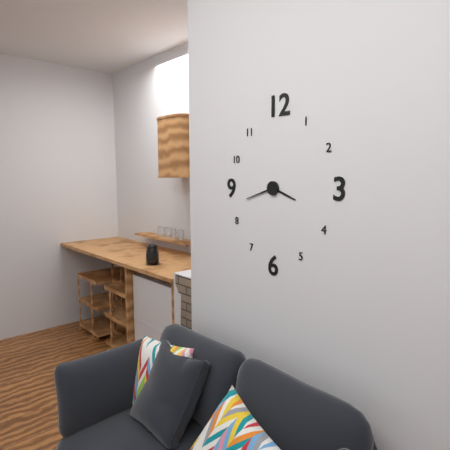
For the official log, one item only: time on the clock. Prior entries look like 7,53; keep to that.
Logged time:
3,42
